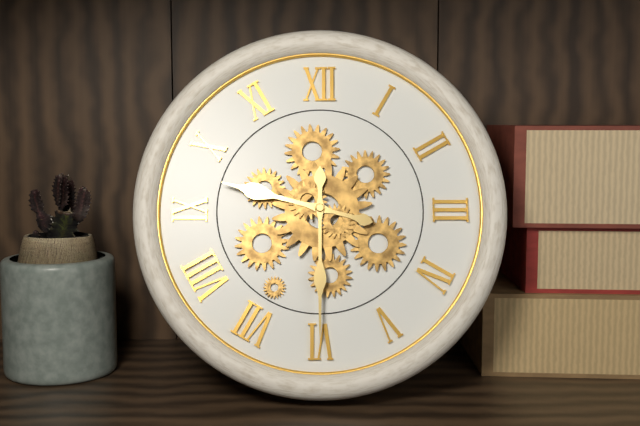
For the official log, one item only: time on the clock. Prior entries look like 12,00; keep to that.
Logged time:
9,30
